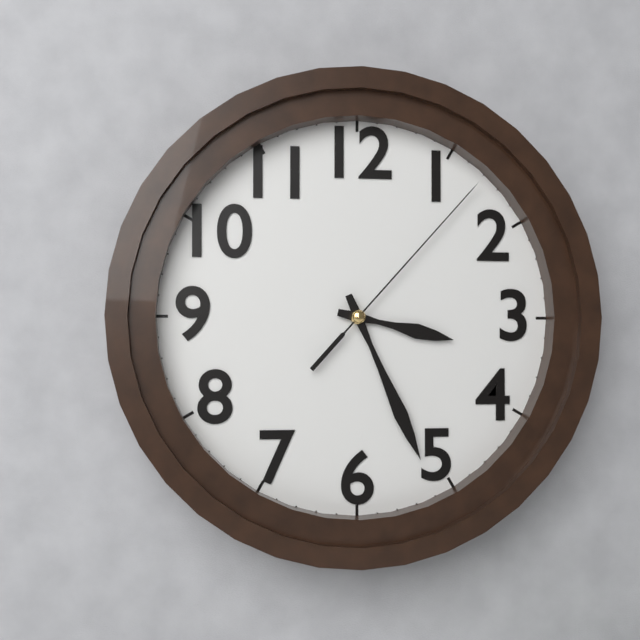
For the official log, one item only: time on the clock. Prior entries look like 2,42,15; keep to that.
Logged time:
3,26,07
